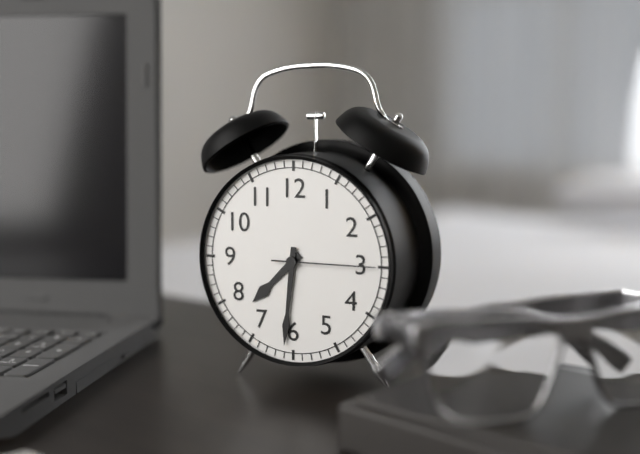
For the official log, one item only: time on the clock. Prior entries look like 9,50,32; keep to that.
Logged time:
7,31,15
